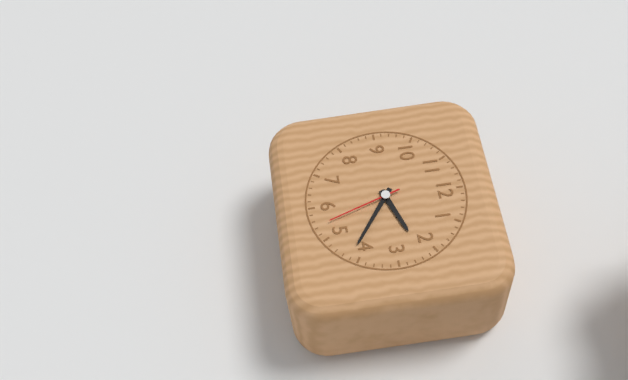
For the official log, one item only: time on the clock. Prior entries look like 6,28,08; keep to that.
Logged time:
2,21,27
